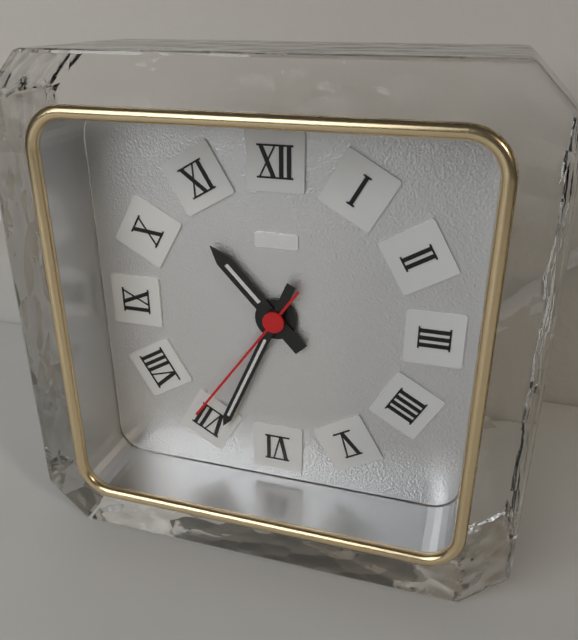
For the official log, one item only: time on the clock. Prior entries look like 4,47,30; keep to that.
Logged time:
10,34,36
